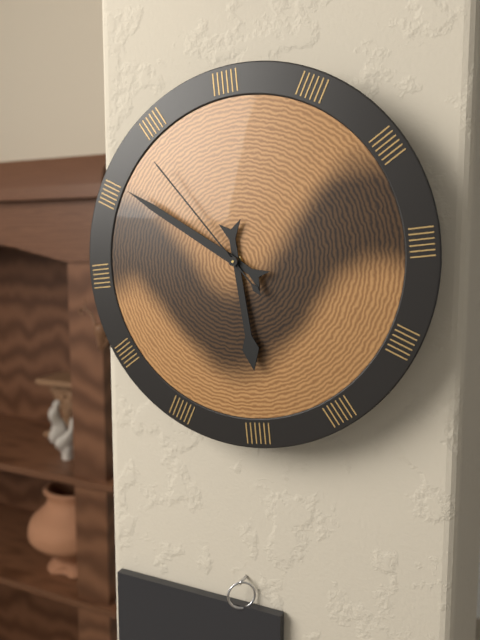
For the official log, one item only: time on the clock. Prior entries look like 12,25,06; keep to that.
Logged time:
5,51,54
